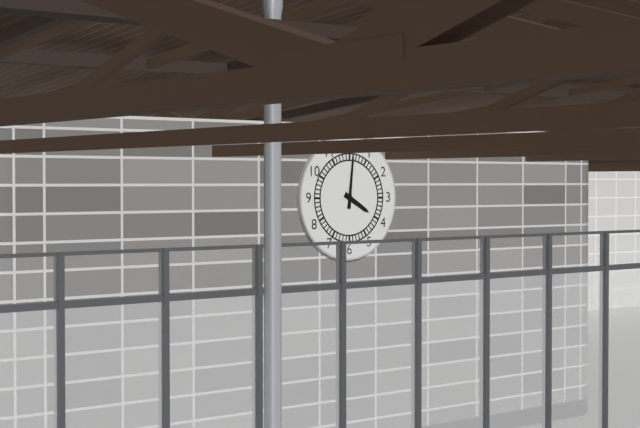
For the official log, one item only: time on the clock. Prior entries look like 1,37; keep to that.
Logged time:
4,01
